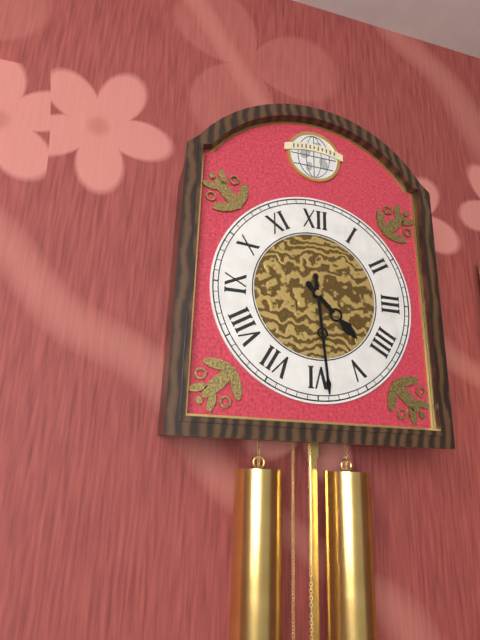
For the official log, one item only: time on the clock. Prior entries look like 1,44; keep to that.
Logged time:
4,29
